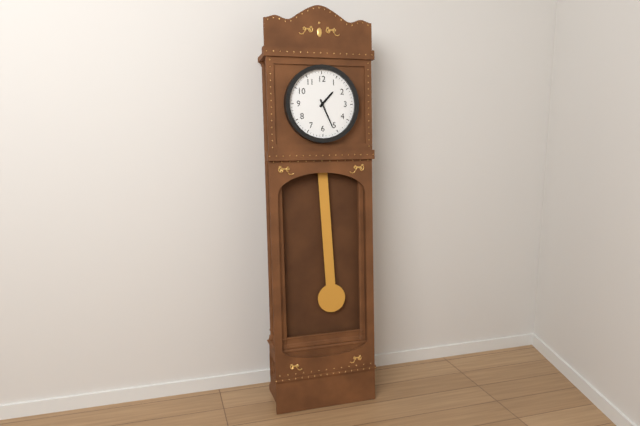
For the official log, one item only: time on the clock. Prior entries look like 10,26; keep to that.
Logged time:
1,26
